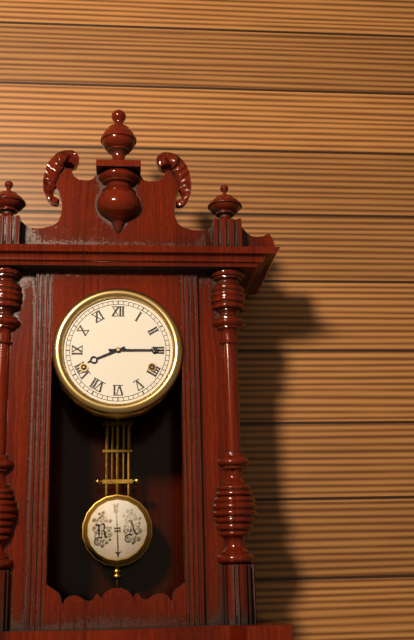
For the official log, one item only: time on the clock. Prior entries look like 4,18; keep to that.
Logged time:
8,15
